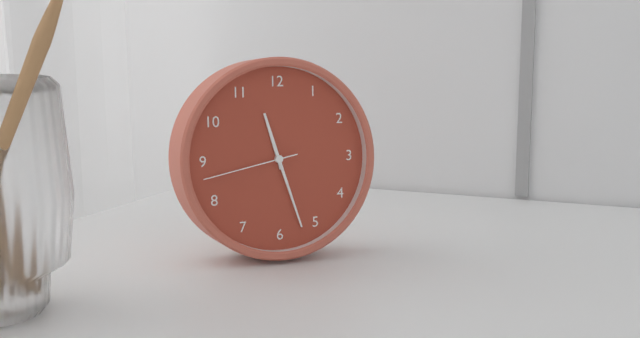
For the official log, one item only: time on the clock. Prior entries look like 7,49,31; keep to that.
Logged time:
11,27,43
